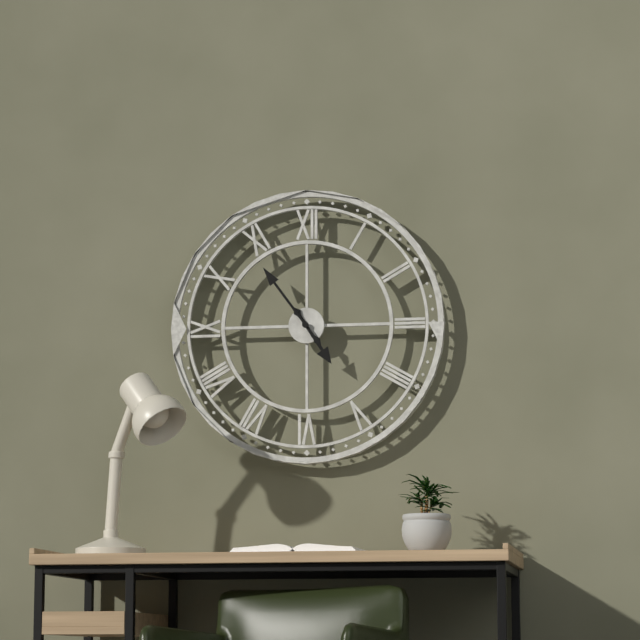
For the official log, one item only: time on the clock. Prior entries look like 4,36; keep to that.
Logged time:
4,54
